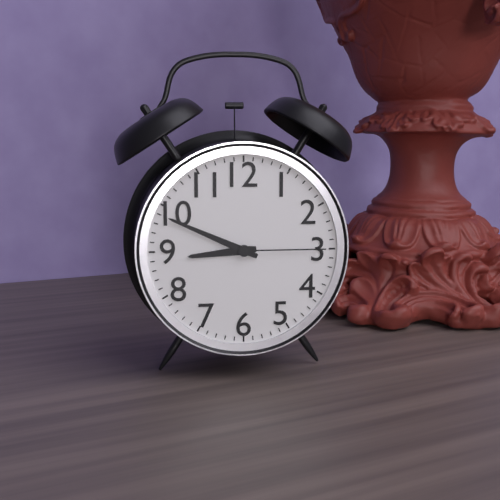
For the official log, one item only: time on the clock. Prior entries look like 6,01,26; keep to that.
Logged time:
8,49,15
